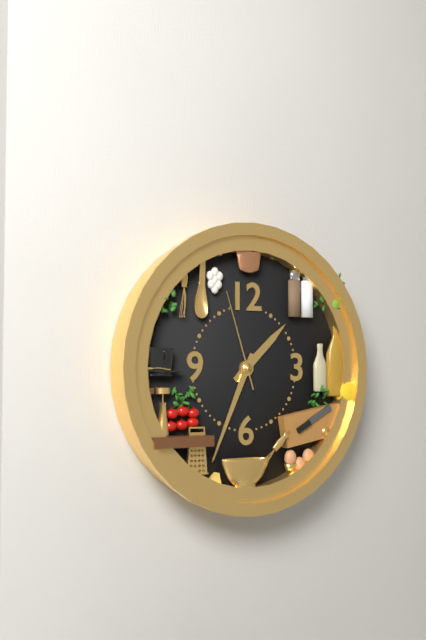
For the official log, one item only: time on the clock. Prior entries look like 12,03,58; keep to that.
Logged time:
1,34,57
